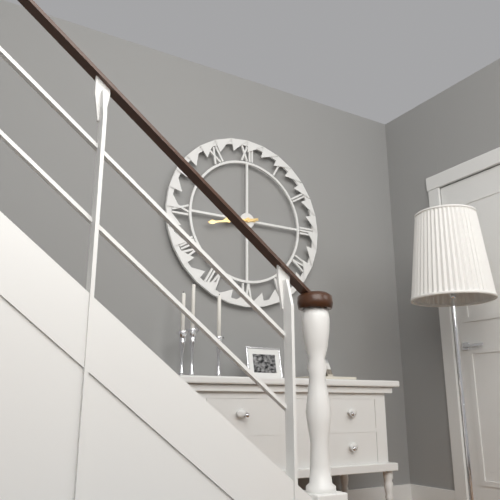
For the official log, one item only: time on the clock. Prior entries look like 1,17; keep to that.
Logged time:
8,43
